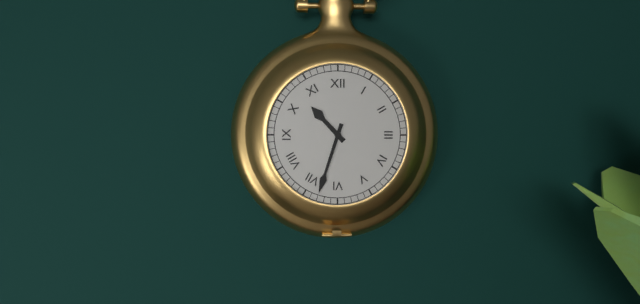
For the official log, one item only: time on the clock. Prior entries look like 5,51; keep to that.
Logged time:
10,33
